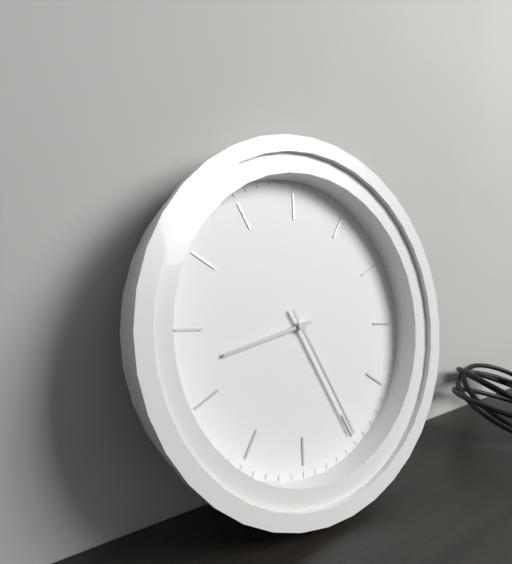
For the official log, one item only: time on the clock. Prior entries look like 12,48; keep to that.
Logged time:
9,30
